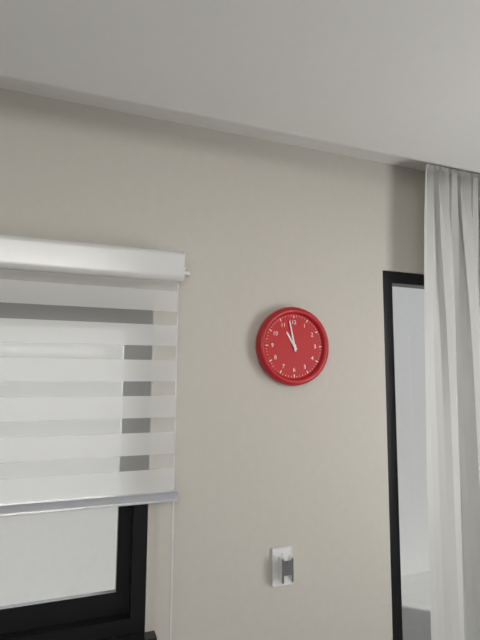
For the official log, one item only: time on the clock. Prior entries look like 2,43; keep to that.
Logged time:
10,58
